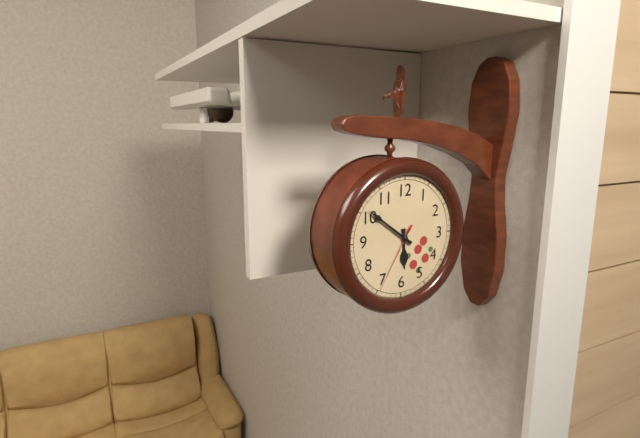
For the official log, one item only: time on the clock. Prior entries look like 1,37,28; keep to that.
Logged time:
5,51,35
